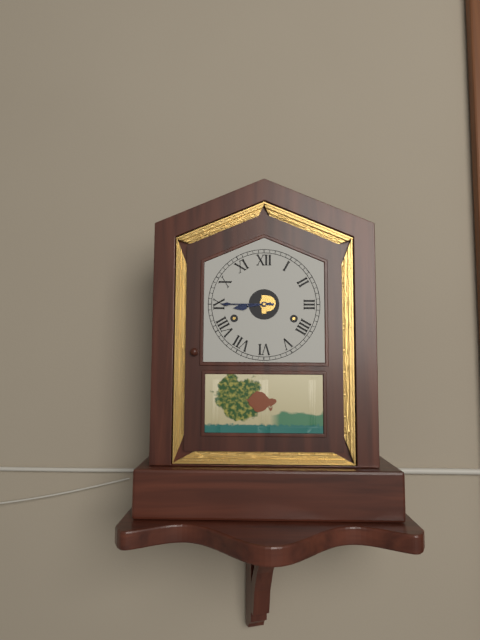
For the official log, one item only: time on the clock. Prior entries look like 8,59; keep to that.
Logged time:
8,45
